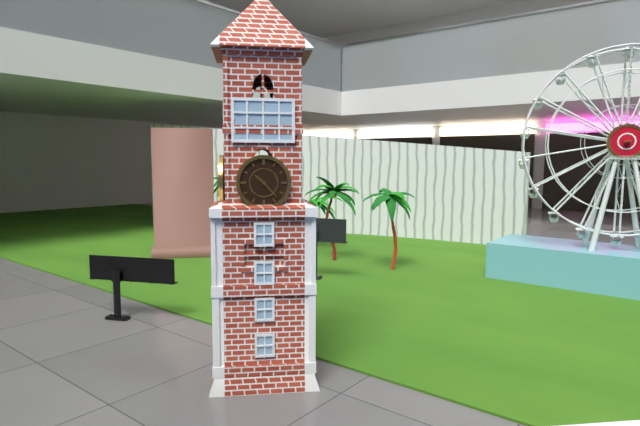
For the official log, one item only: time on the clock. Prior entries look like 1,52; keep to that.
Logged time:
10,23
